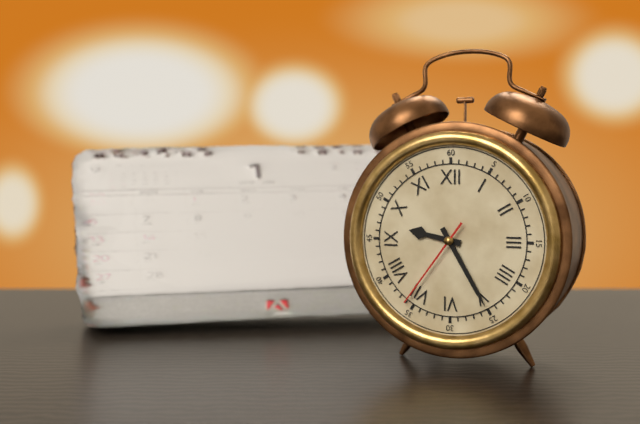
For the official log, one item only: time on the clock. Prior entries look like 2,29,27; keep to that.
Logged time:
9,25,36
